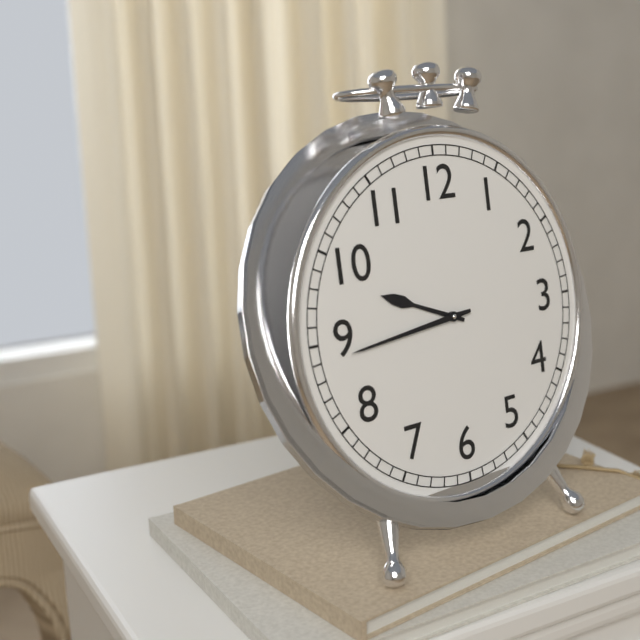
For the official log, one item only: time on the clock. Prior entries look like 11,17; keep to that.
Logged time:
9,44
